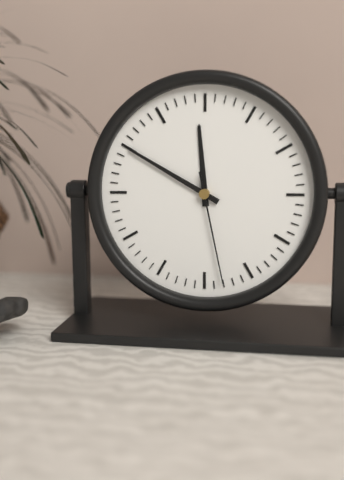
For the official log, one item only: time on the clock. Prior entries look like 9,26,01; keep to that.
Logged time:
11,50,28
